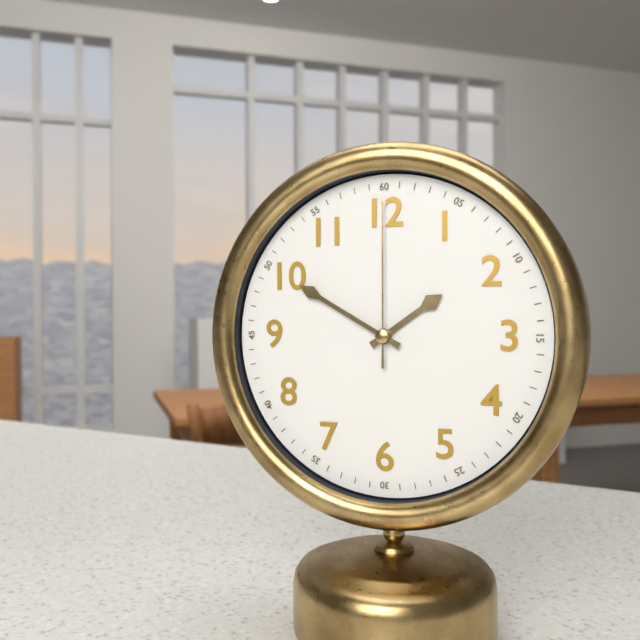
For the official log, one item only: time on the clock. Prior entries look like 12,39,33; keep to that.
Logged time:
1,50,00
